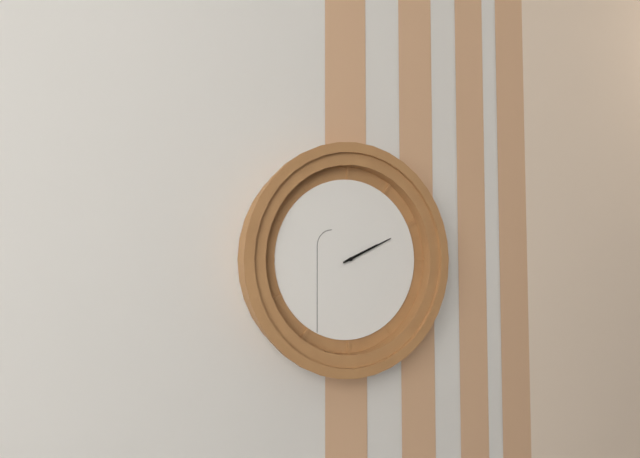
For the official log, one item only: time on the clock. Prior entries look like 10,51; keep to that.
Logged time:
2,11
